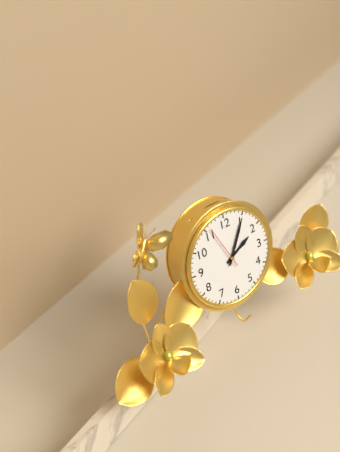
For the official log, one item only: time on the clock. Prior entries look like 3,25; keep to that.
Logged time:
2,05
